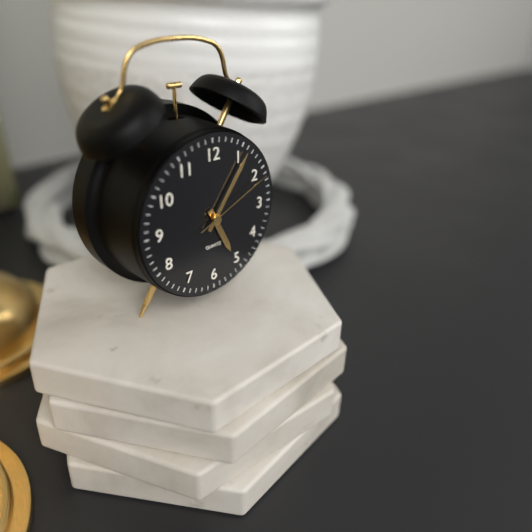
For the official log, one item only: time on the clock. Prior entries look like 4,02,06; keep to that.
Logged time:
5,06,11
